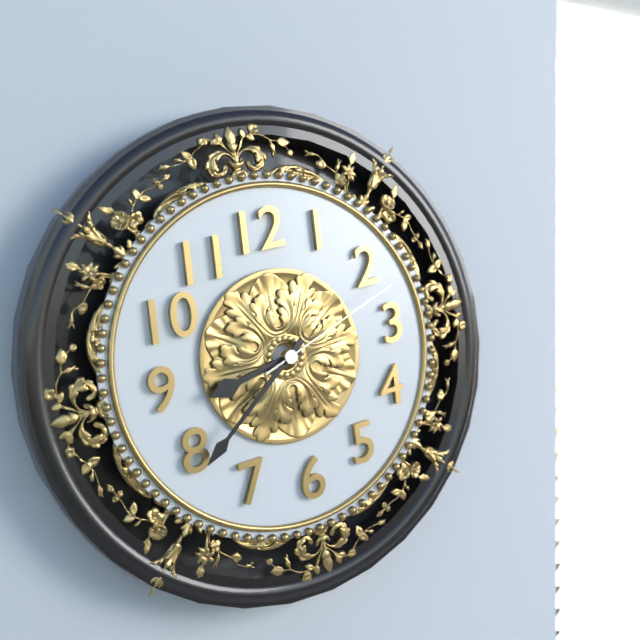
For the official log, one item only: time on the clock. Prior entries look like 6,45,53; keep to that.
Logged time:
8,39,12
